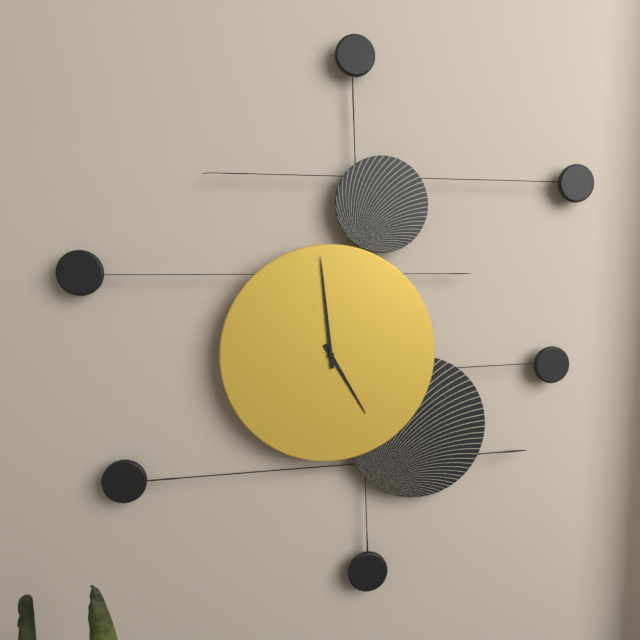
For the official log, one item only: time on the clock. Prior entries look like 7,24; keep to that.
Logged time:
4,59
